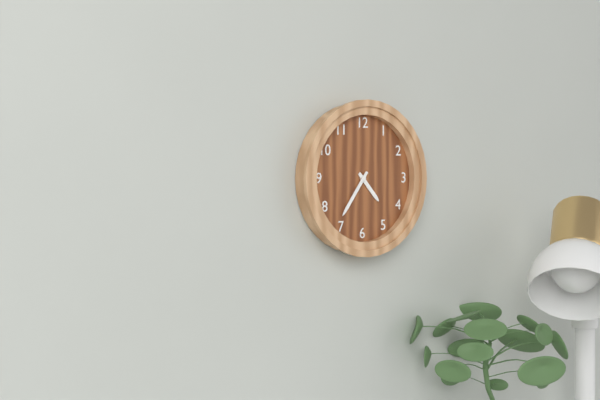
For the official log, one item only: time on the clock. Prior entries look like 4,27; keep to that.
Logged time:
4,36
